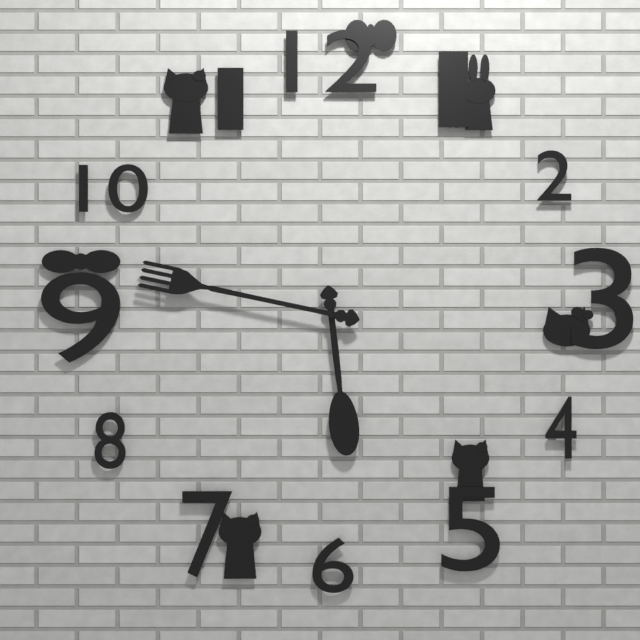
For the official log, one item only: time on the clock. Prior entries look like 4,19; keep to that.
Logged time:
5,47
